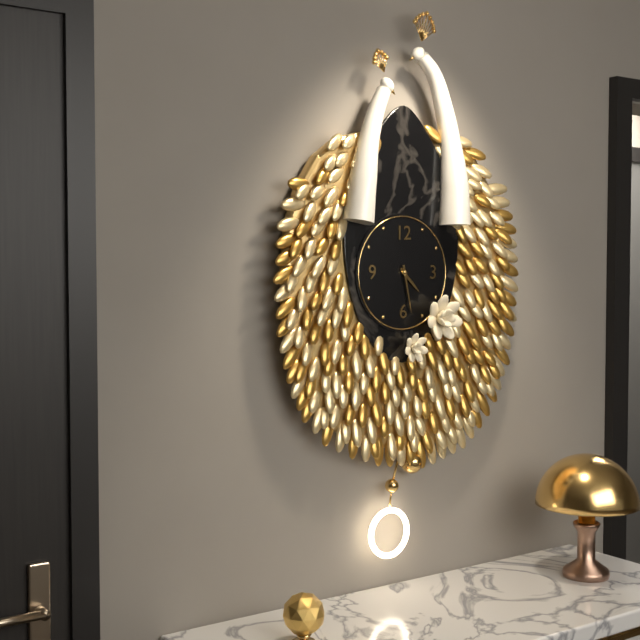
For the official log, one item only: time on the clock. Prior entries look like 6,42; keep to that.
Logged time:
4,28
